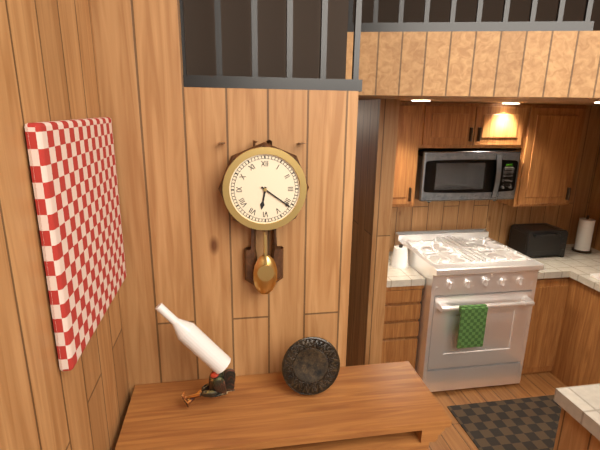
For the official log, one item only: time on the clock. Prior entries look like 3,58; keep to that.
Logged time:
6,21
